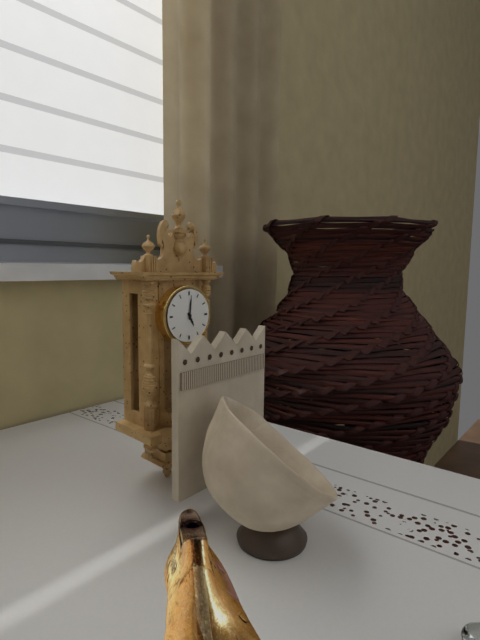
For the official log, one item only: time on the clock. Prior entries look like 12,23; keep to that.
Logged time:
5,01
